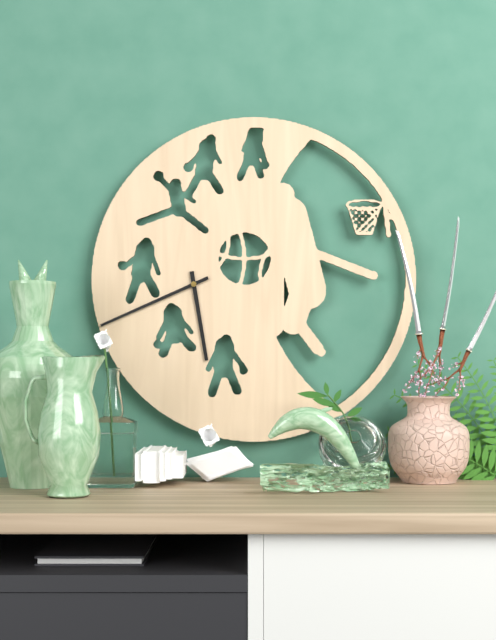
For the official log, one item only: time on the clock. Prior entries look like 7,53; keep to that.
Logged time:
5,41
